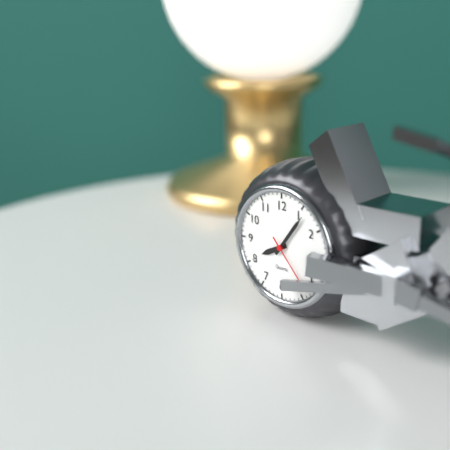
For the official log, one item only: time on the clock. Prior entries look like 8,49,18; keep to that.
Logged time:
8,06,23
